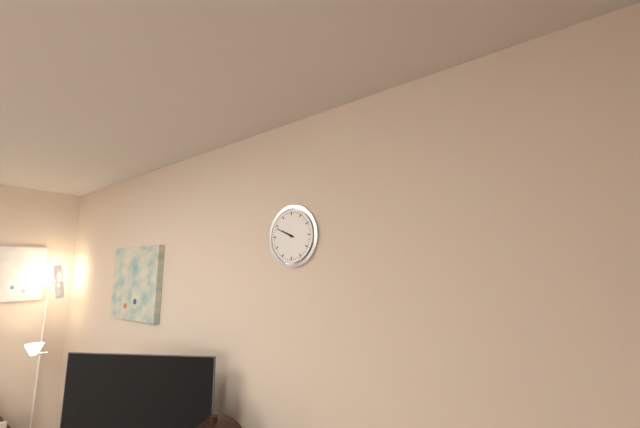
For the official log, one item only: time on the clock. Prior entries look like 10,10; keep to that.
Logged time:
9,49
